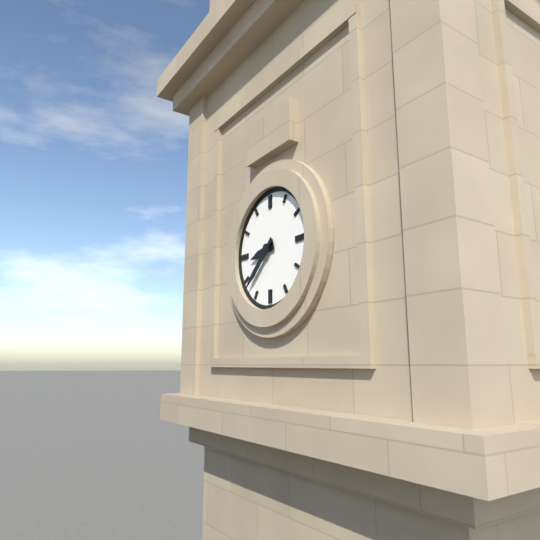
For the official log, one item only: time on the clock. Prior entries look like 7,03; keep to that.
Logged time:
8,38
